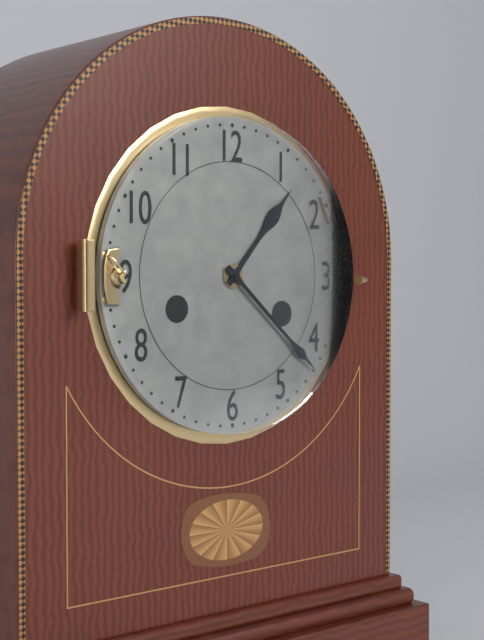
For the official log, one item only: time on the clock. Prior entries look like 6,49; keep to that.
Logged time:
1,22
